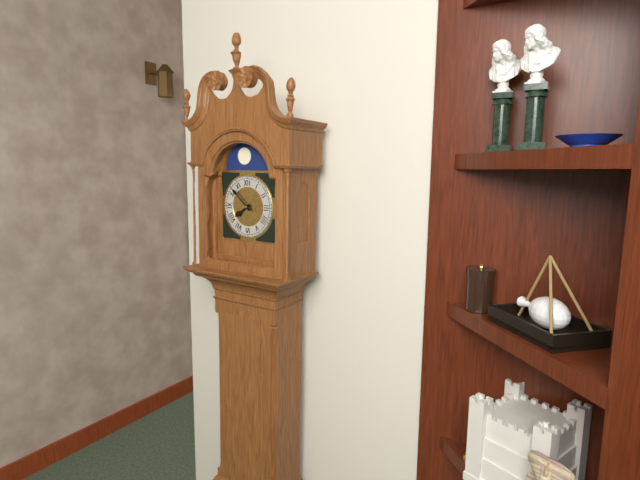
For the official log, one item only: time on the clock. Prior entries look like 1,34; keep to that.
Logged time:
7,52
